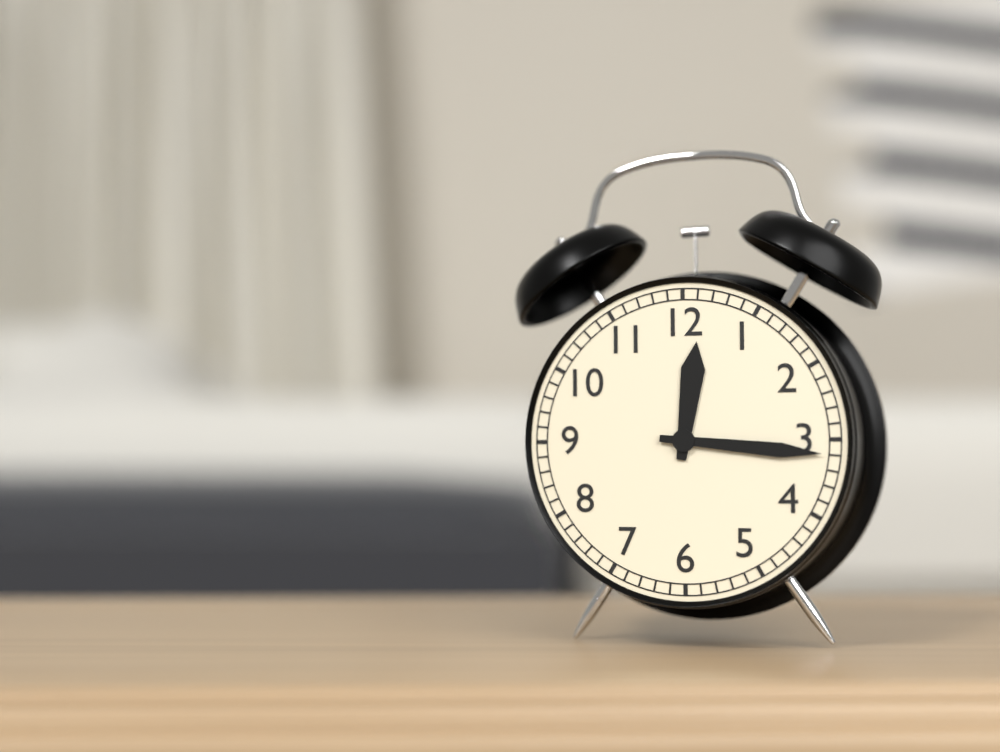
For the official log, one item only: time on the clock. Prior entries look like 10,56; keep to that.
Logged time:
12,16
